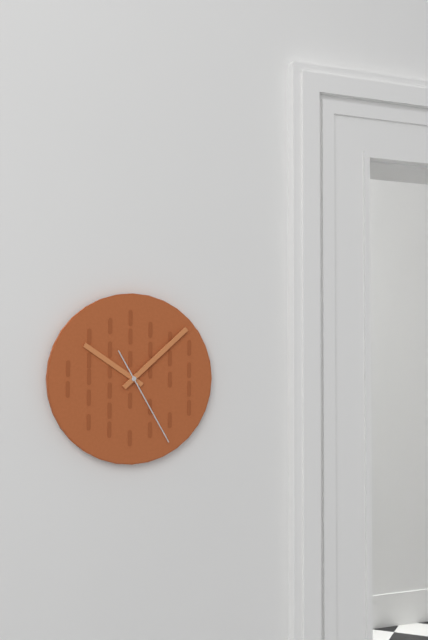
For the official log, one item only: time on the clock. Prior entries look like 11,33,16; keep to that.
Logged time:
10,08,25
